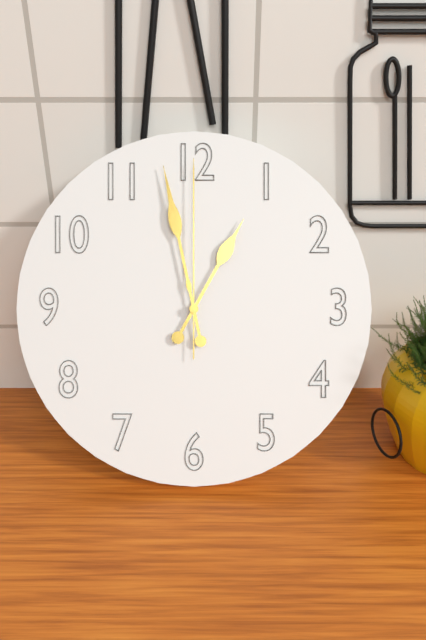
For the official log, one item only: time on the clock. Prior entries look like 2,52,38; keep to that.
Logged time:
12,58,00
